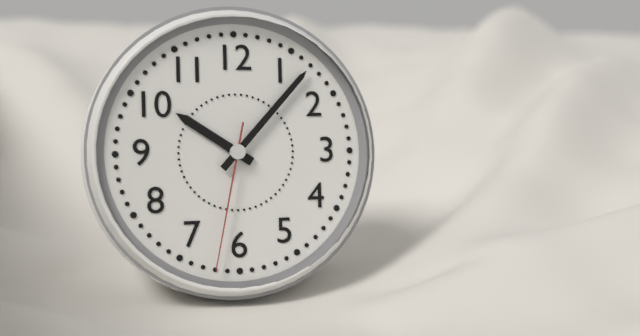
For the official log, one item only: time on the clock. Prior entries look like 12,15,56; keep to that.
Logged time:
10,07,32
